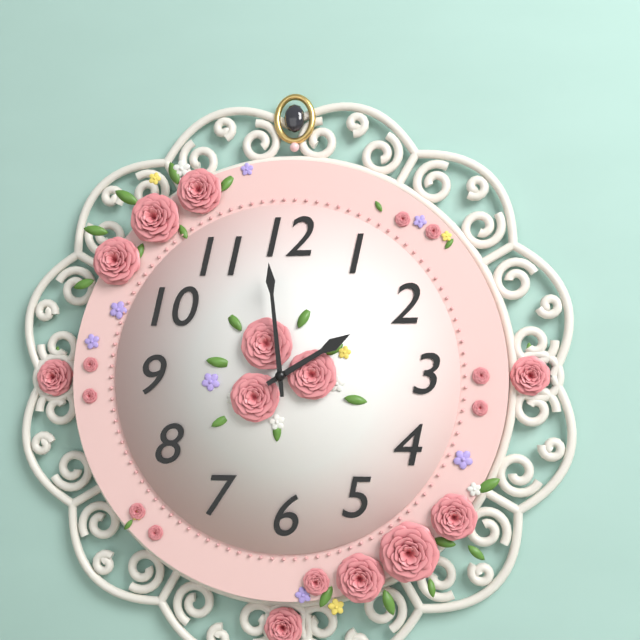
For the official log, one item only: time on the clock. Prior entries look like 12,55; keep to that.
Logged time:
1,59
